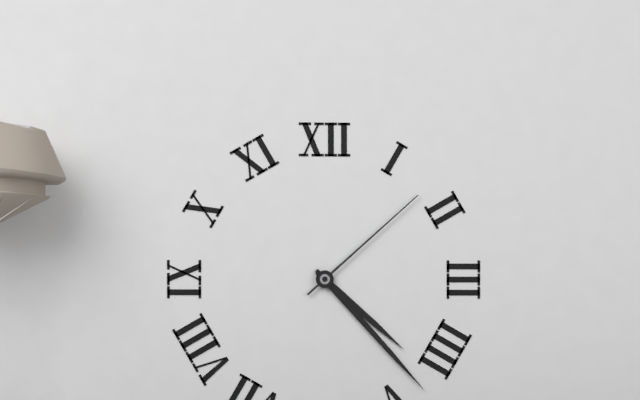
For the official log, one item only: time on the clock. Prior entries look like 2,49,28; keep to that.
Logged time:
4,23,08
